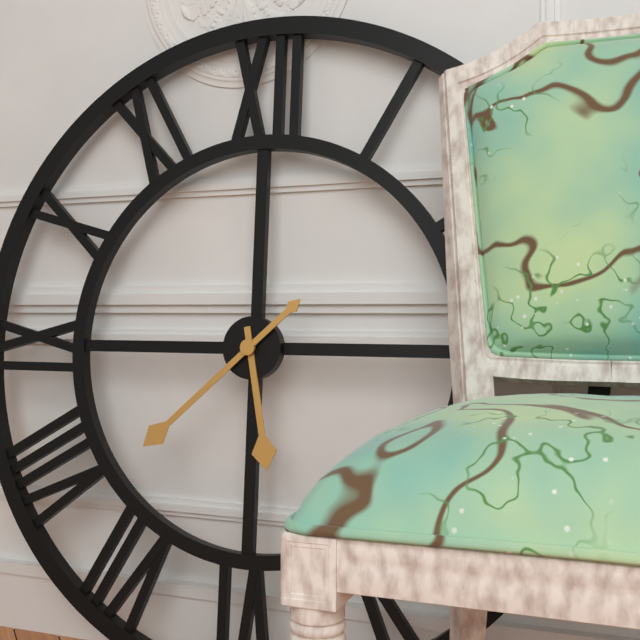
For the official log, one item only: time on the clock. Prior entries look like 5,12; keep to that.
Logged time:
5,38
